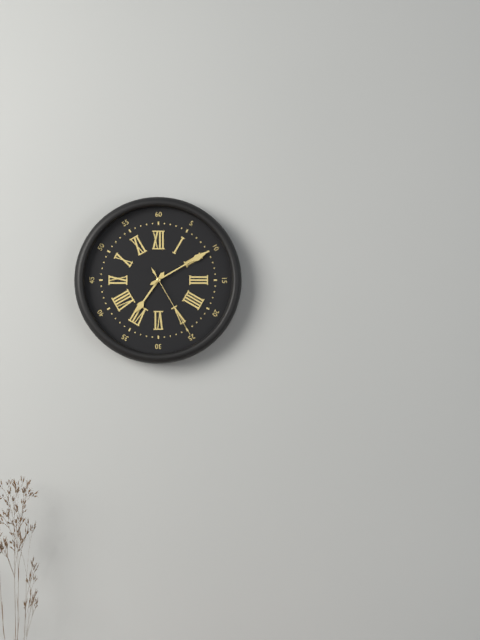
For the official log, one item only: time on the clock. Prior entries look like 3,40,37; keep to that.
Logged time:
7,10,25
